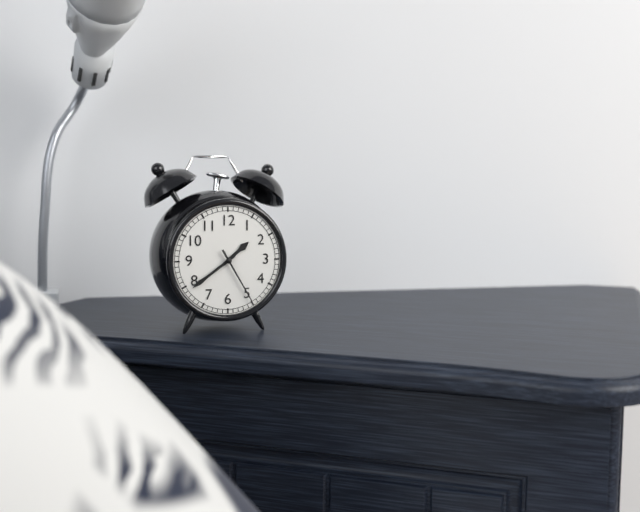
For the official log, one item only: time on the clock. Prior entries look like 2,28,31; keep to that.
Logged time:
1,39,25
